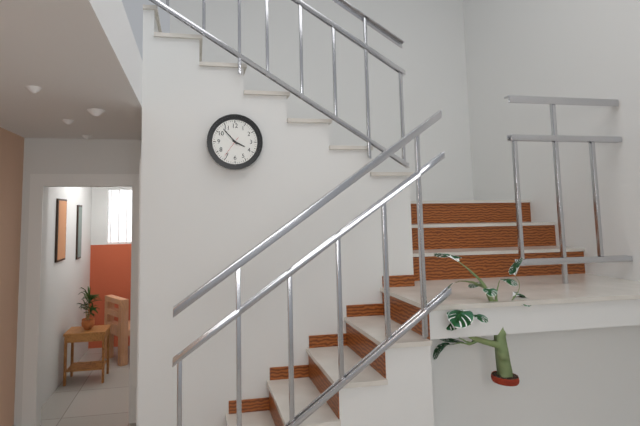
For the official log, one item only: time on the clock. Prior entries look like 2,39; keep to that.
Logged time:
3,53
